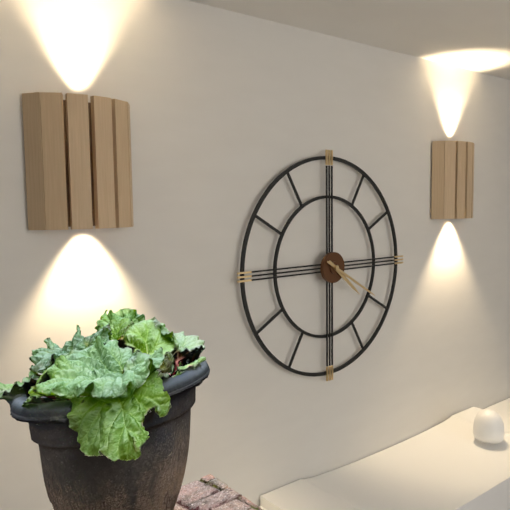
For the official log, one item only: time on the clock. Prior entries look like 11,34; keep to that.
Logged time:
4,20
